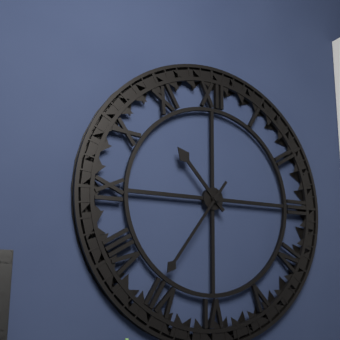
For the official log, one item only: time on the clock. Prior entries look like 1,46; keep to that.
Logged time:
10,36
